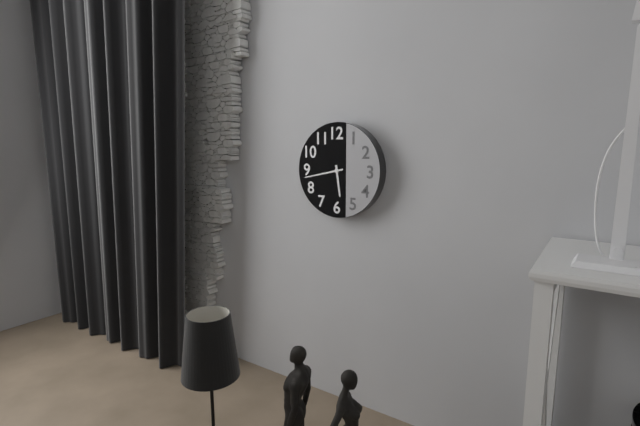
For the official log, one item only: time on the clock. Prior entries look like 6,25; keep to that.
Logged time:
5,43
